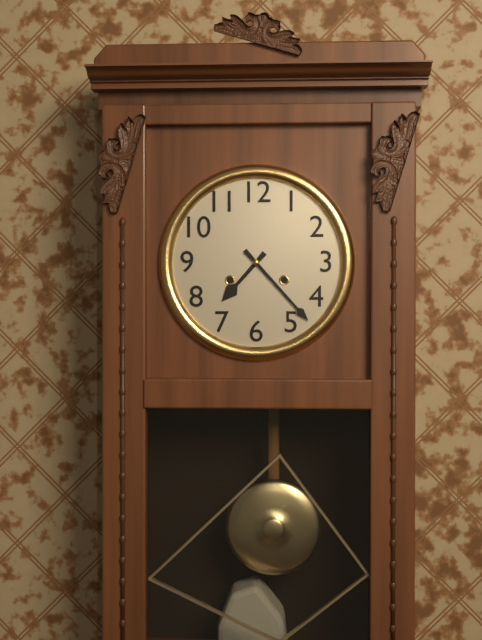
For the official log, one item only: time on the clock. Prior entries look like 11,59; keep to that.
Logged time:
7,23
